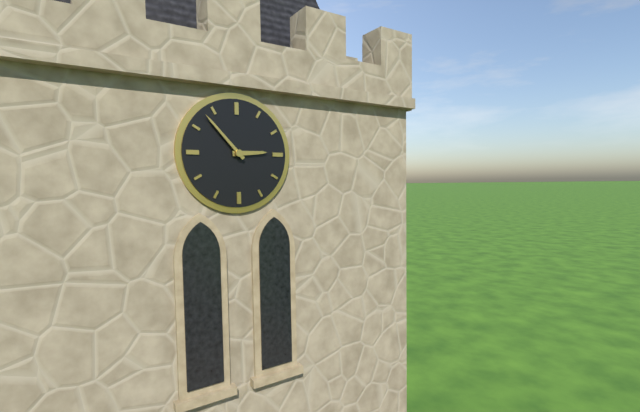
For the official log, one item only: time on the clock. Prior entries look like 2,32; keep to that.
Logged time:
2,53
